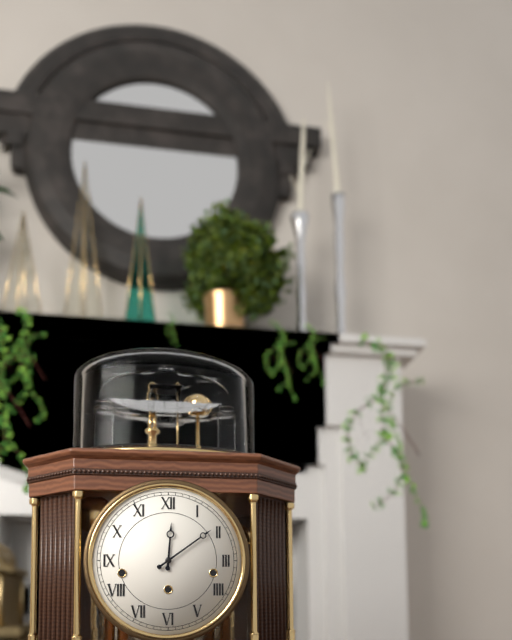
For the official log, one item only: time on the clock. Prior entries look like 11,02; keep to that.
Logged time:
12,09
